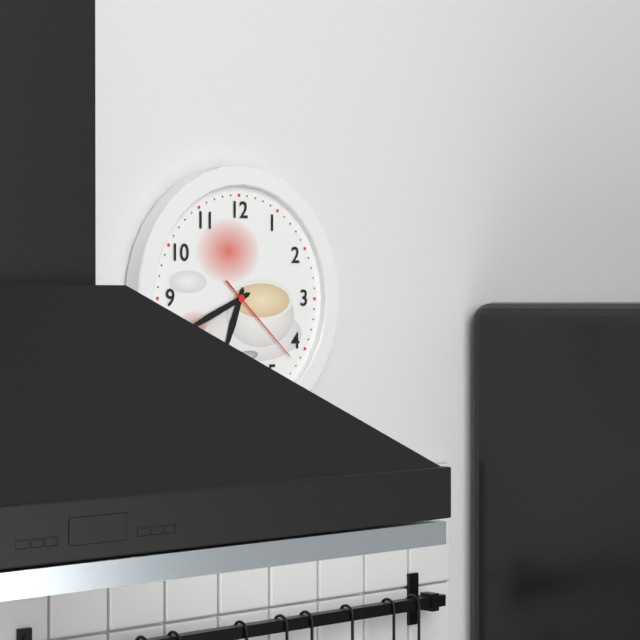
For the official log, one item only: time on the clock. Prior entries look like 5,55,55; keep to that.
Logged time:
6,41,22
